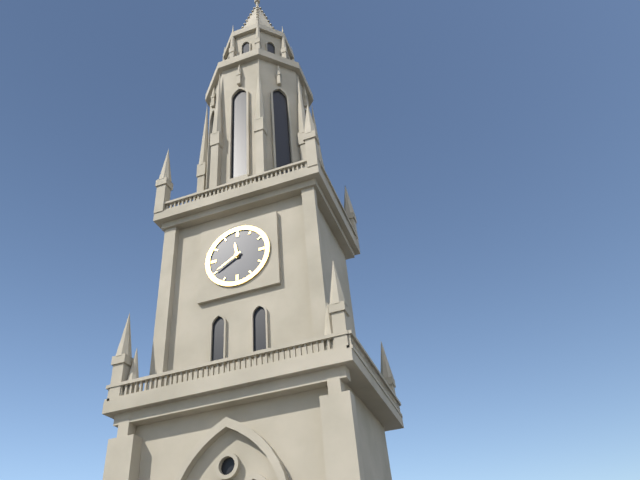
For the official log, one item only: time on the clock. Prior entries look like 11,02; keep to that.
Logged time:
11,40
